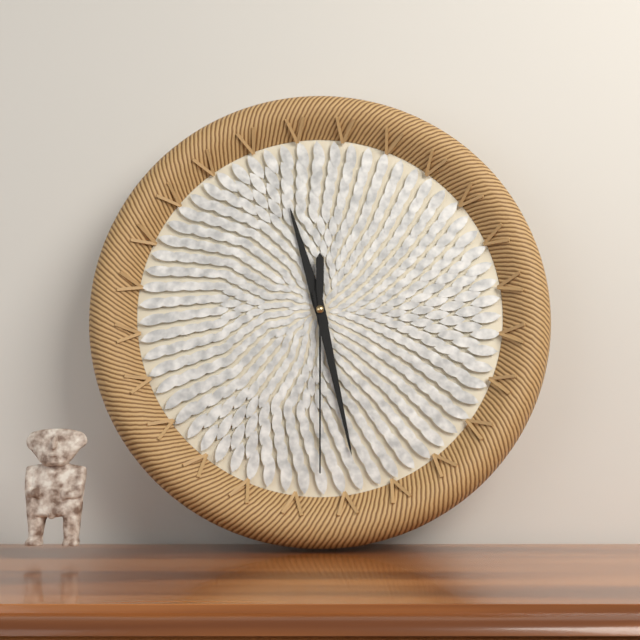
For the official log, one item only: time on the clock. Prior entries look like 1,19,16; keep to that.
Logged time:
11,28,30
